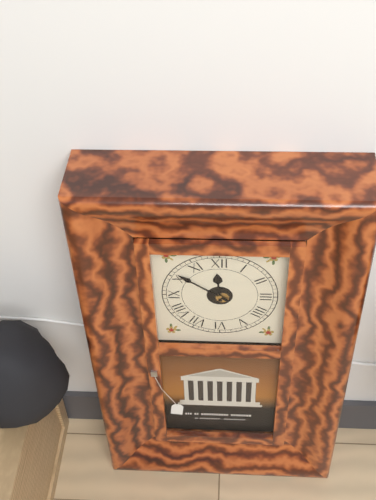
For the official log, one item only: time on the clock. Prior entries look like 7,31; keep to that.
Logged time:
11,51
